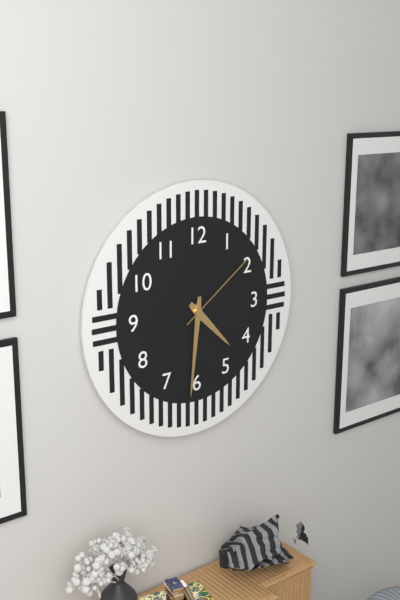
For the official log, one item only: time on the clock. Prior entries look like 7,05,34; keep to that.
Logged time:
4,31,09
